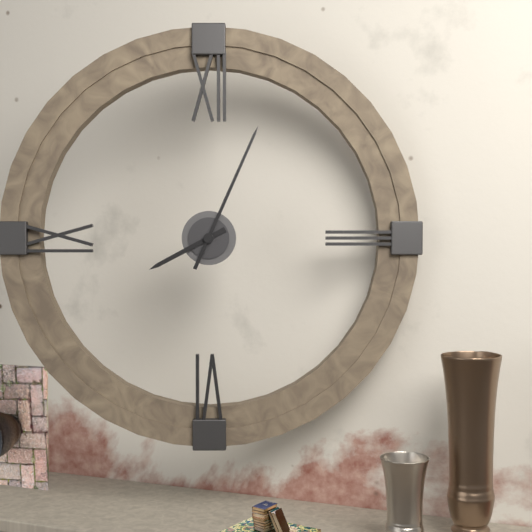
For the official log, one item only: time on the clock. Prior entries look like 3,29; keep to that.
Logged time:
8,04
